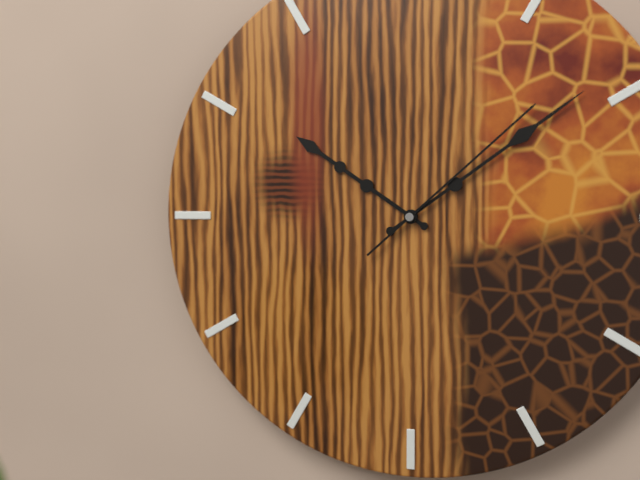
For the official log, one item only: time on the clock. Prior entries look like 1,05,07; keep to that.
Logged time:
10,09,08
